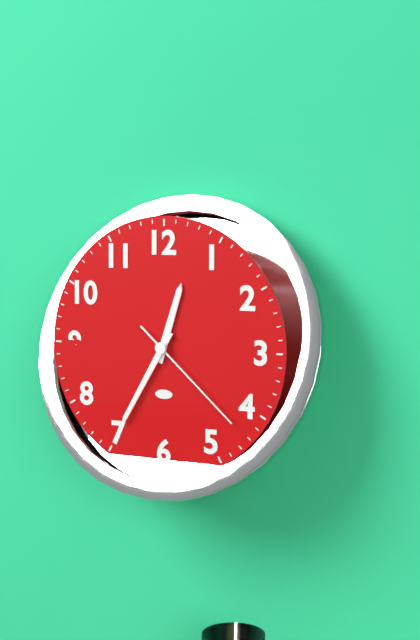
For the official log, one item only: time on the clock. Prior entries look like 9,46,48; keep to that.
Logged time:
12,35,22
